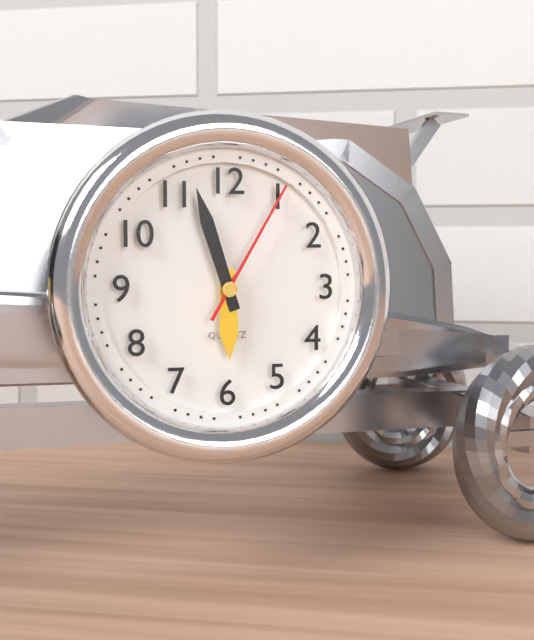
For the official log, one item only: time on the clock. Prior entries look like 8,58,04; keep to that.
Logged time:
5,57,05
